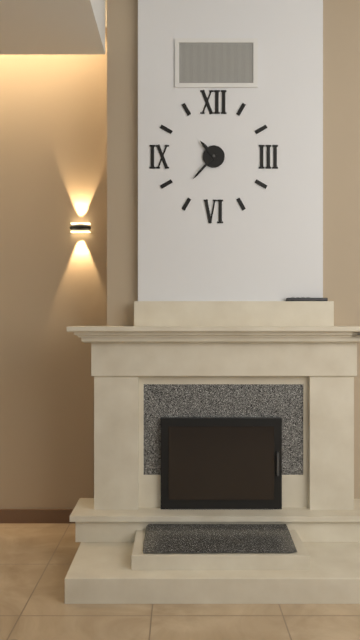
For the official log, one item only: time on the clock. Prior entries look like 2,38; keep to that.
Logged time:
10,37
